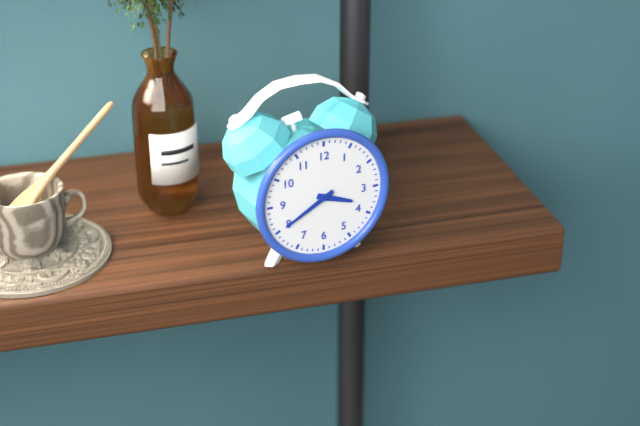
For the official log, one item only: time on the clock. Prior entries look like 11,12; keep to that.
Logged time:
3,40
